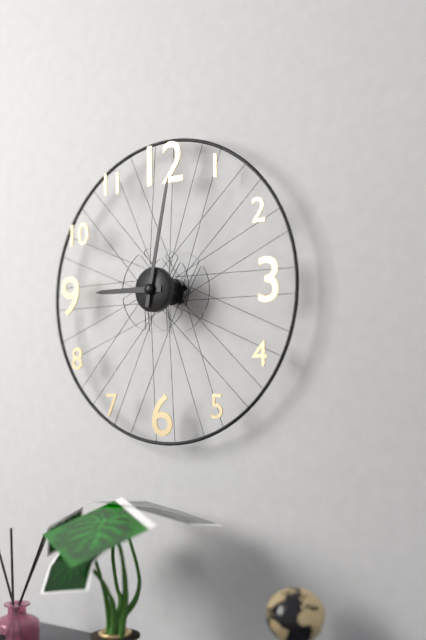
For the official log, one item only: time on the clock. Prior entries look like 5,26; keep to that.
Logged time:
9,02
